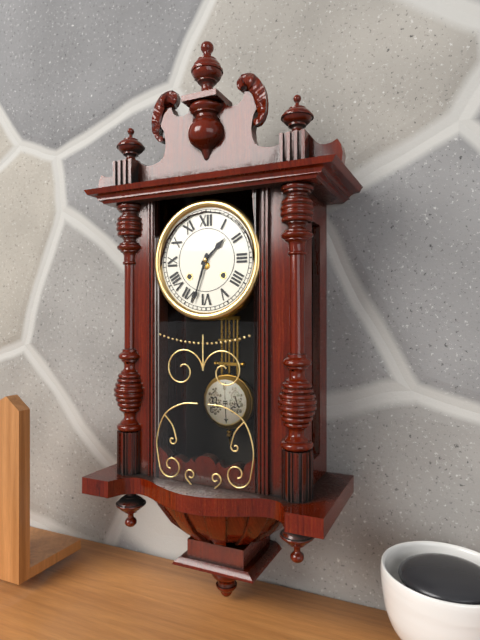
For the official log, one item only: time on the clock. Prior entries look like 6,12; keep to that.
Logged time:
1,33
